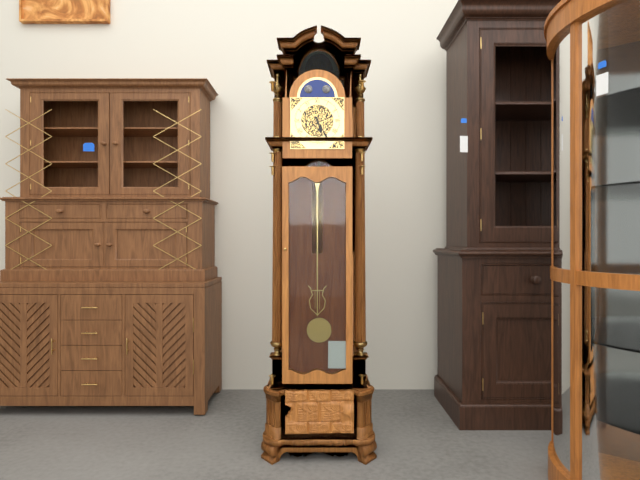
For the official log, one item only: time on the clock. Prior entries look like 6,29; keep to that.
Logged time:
5,25
